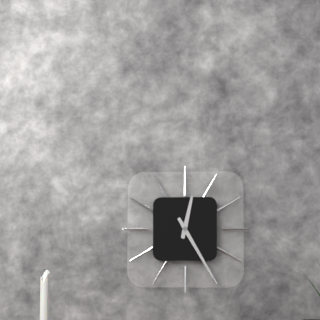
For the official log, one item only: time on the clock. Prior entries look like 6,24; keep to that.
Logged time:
12,25
